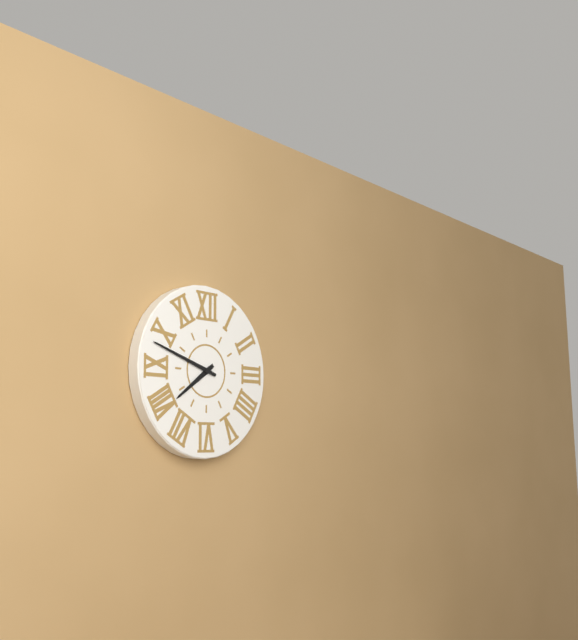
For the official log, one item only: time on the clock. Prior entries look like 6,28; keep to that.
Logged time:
7,48
